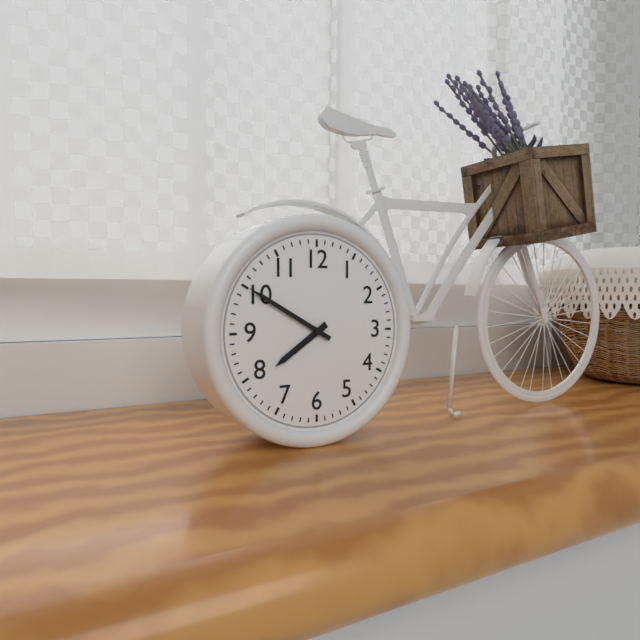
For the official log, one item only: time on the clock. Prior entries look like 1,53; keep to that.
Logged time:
7,50
